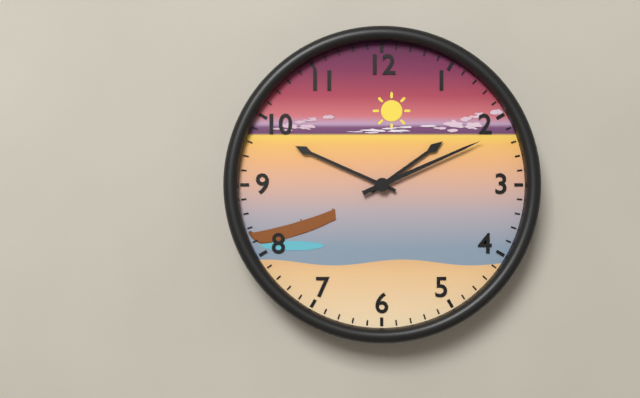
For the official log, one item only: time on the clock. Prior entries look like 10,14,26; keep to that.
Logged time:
1,49,11
